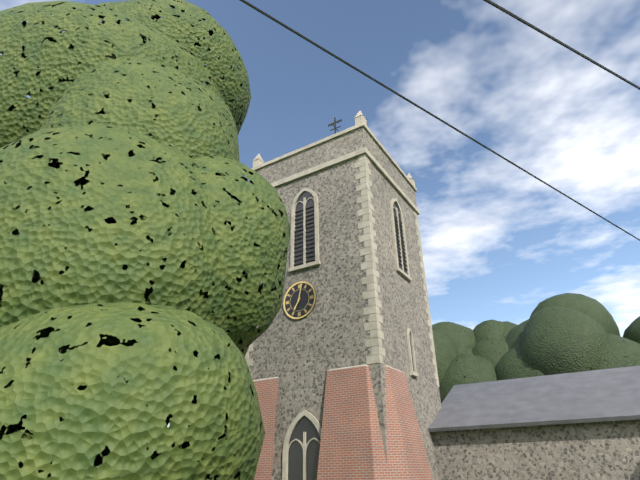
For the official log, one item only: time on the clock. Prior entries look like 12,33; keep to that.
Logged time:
7,02
